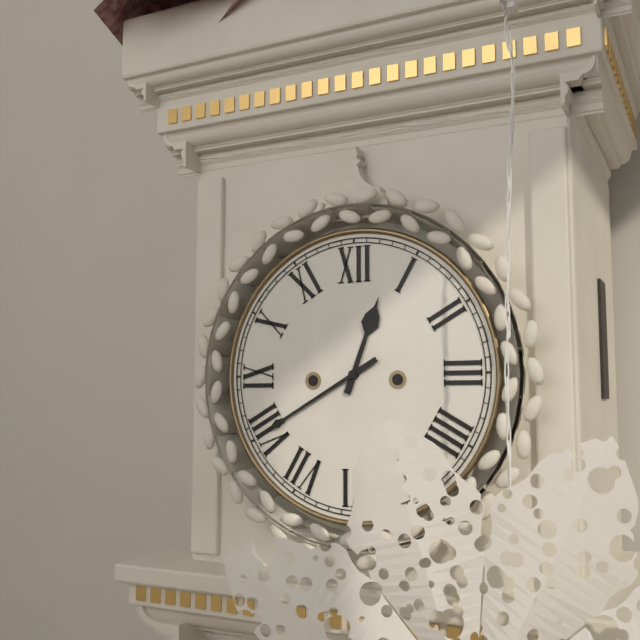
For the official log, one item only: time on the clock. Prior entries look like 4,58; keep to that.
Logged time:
12,40
